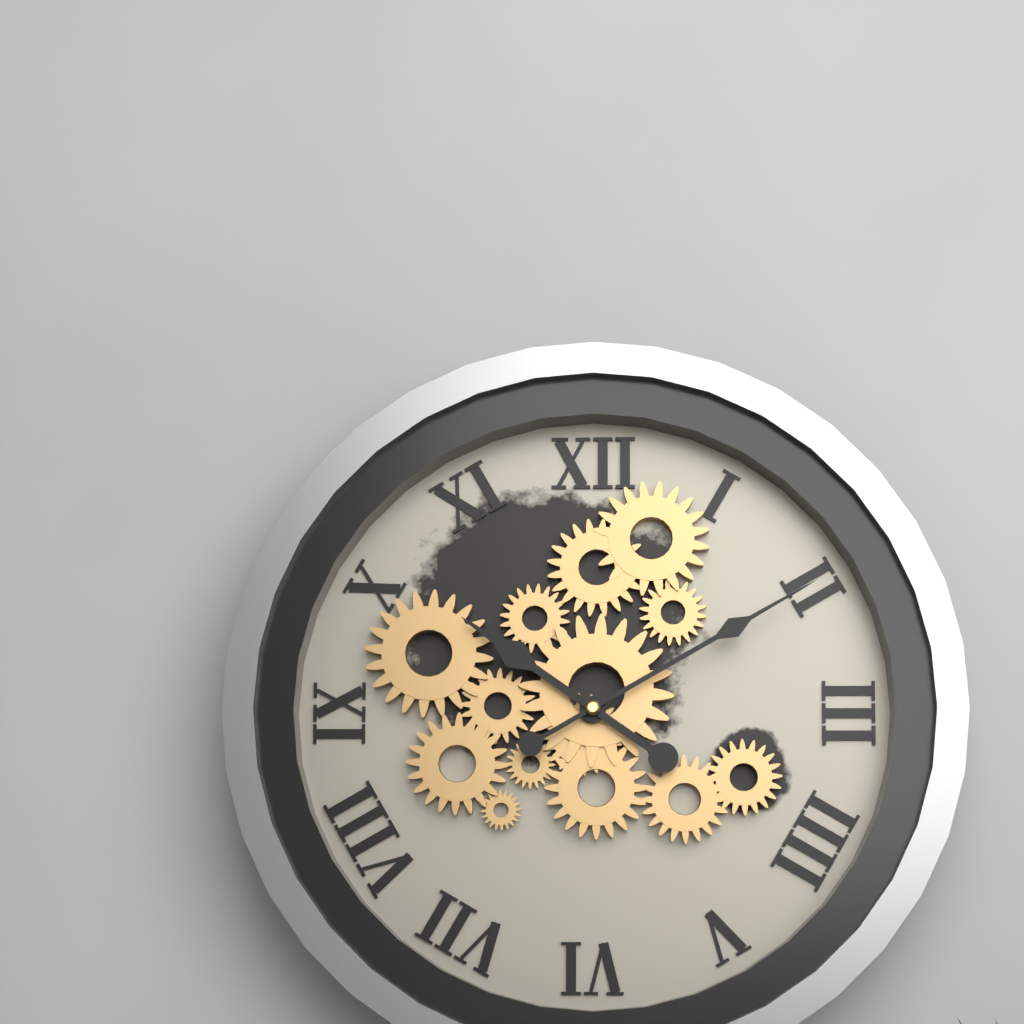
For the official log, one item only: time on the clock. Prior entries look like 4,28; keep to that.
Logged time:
10,10
